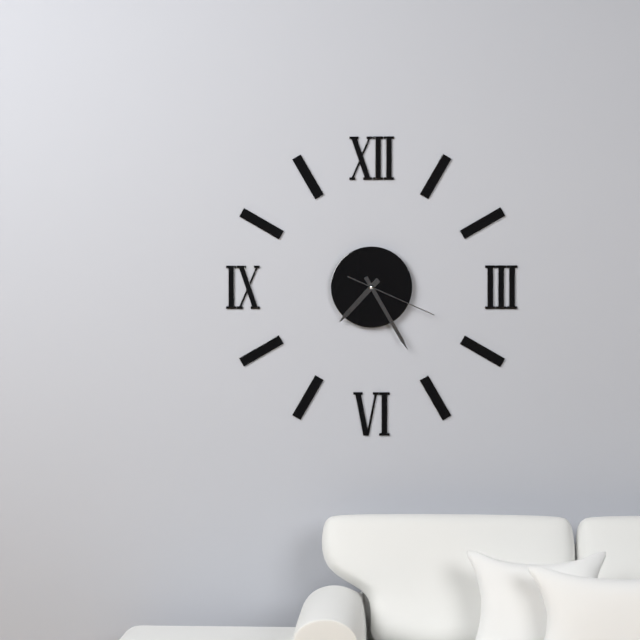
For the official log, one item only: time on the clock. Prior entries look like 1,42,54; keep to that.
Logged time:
7,25,19
